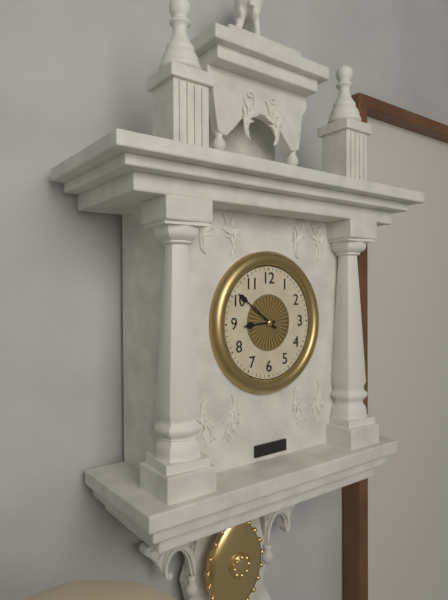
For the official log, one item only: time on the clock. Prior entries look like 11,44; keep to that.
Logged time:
8,51
